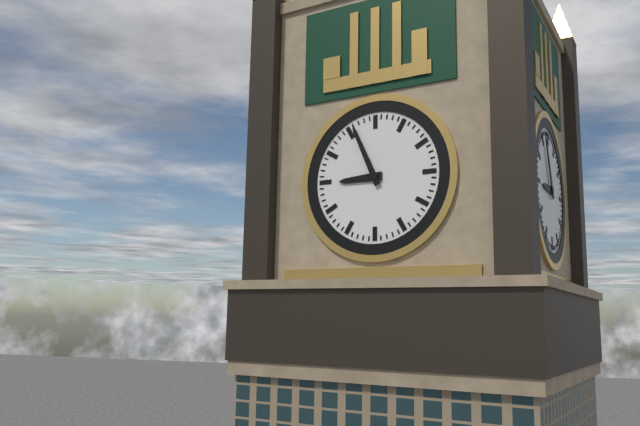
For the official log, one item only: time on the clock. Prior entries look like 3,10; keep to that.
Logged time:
8,56
